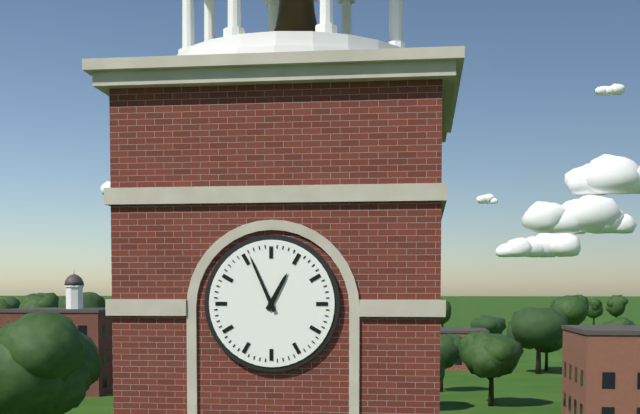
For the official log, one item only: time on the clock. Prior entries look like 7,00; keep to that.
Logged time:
12,56
